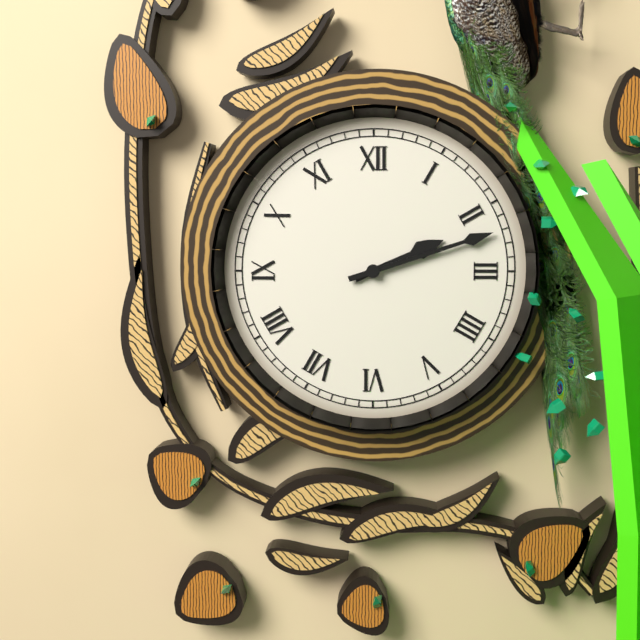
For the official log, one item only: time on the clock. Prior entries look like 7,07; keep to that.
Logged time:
2,12
